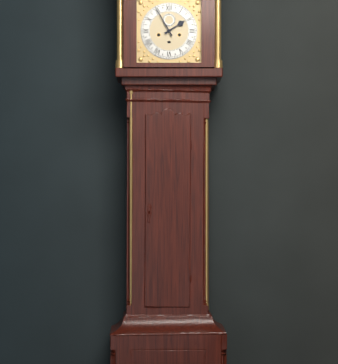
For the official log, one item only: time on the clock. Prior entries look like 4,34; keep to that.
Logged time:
1,55
